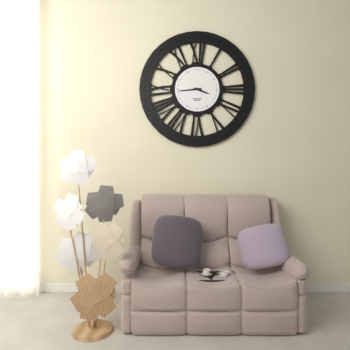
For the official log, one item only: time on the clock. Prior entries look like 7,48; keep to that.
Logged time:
3,44
